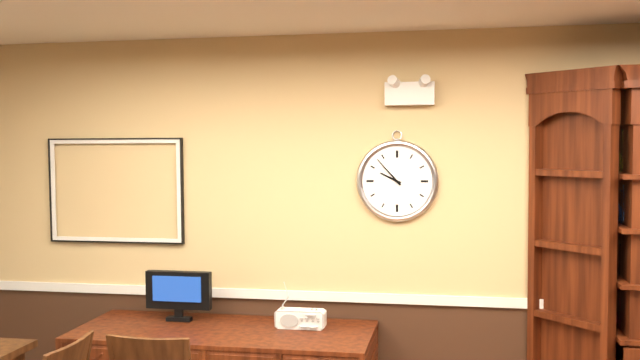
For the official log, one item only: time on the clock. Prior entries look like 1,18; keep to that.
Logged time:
9,53
